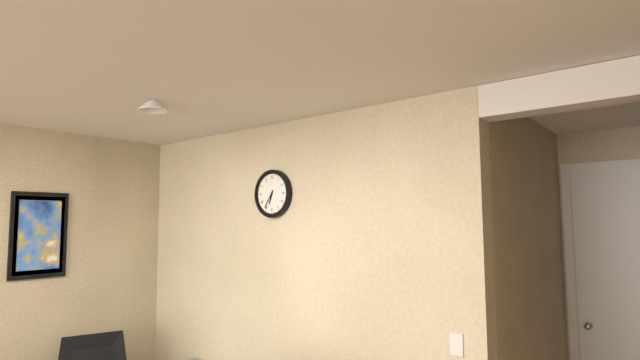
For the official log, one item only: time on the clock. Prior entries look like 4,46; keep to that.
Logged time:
6,36
